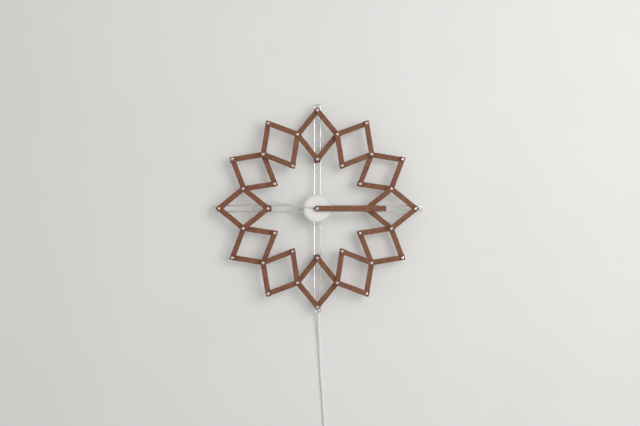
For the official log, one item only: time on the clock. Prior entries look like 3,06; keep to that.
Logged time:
9,15
